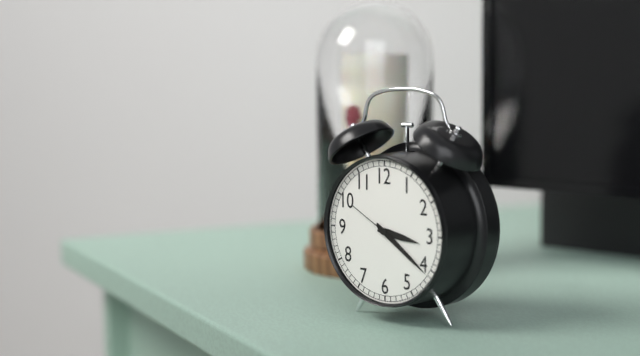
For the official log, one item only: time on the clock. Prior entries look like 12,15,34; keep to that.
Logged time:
3,21,50
